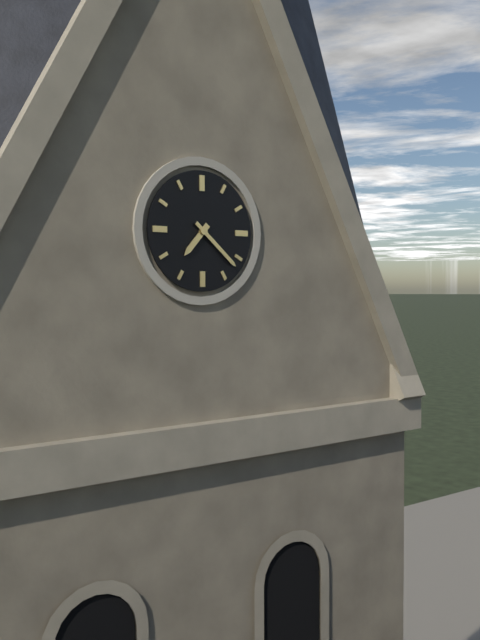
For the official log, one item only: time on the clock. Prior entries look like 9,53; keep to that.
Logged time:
7,22
